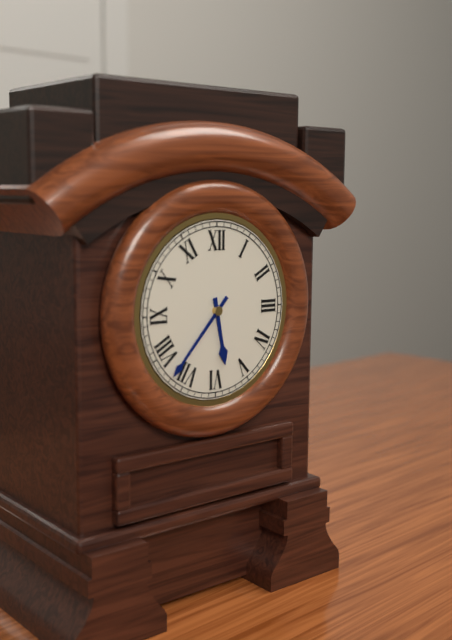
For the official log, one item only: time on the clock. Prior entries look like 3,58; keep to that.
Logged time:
5,37
